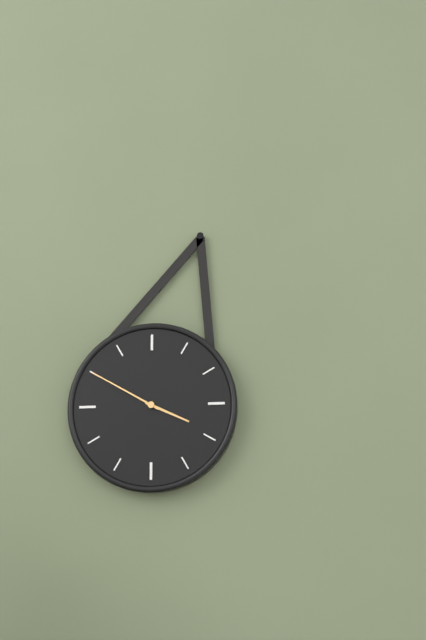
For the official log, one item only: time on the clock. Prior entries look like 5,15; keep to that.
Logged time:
3,50
